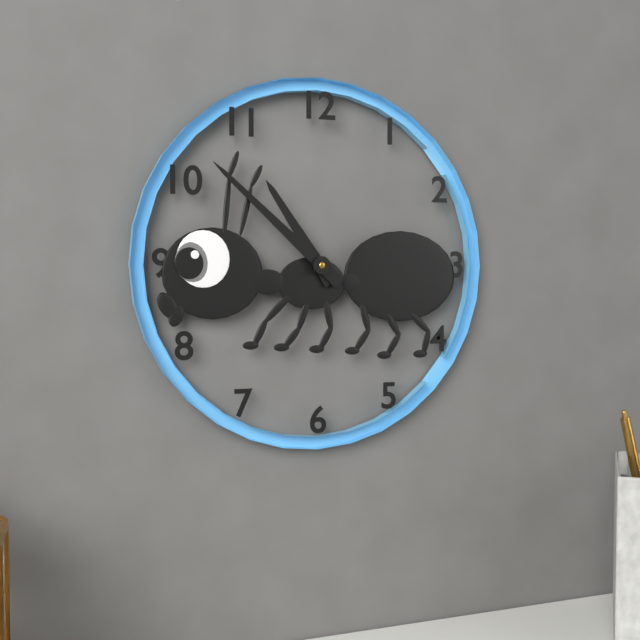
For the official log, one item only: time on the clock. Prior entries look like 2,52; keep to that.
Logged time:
10,52
